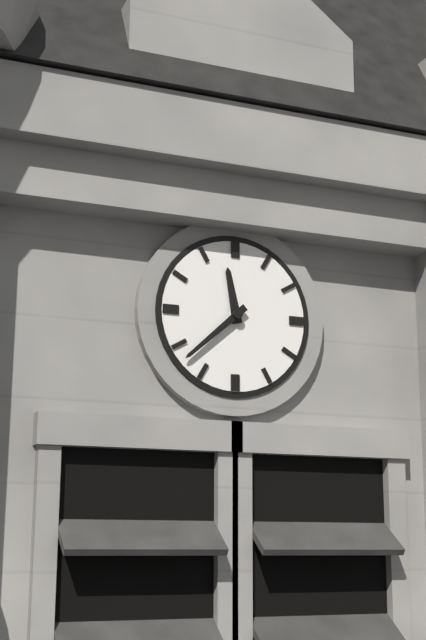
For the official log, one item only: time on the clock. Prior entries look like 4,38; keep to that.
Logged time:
11,38
